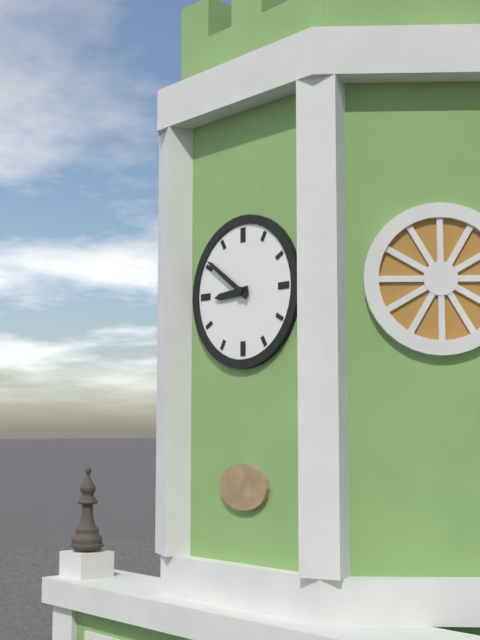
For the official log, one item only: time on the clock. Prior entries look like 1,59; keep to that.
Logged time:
8,51
